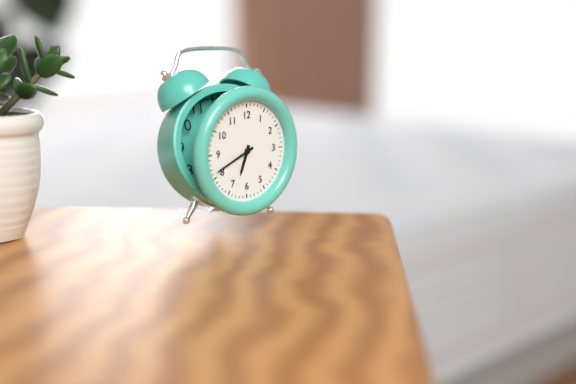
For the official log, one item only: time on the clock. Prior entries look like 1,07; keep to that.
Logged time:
6,41
